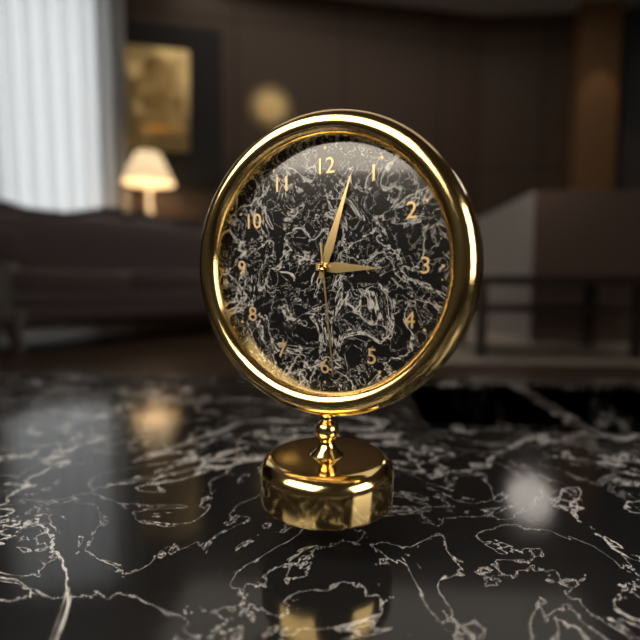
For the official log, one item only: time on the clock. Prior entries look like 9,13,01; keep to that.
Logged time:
3,03,29
